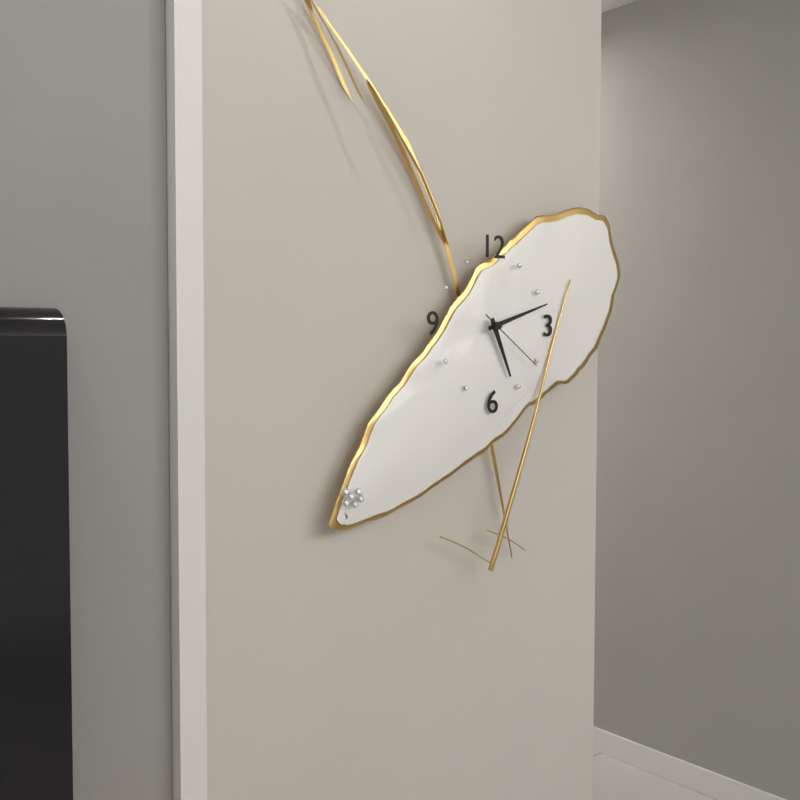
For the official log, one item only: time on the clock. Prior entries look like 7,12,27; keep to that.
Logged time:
5,12,21
